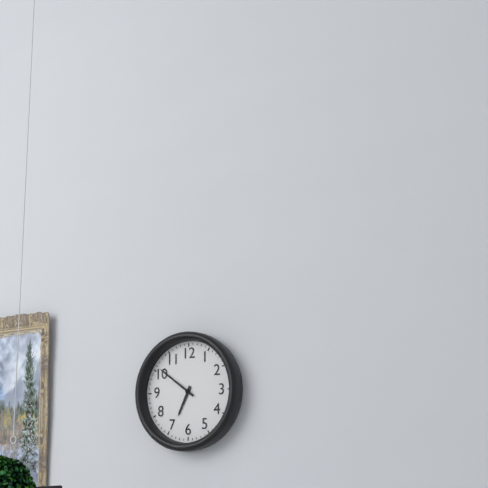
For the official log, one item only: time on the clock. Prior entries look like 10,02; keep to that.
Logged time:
6,51
